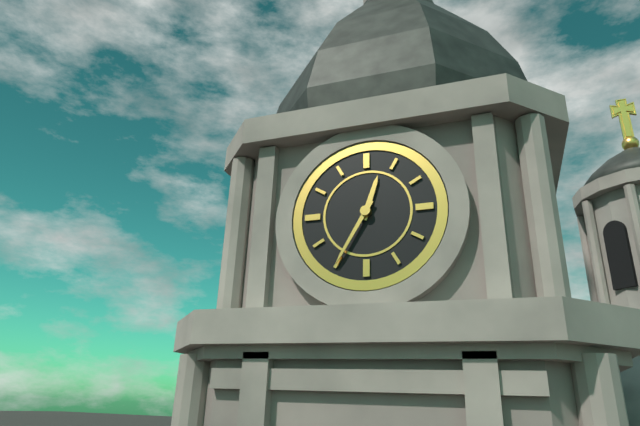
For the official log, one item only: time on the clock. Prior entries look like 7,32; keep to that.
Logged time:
12,35
